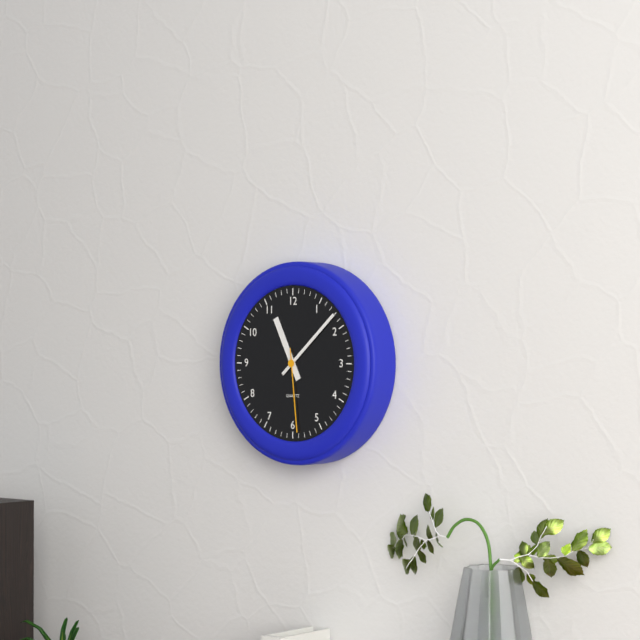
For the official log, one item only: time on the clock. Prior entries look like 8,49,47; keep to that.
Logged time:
11,08,29
